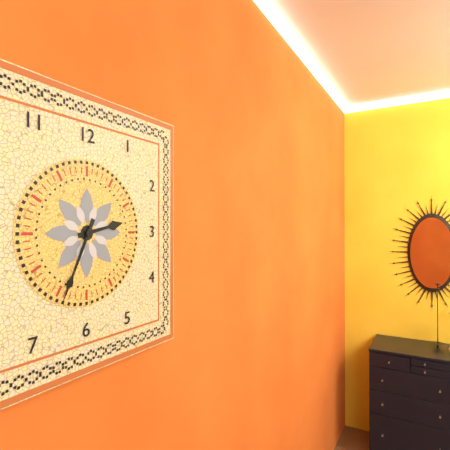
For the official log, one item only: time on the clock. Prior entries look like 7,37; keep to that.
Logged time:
2,34
